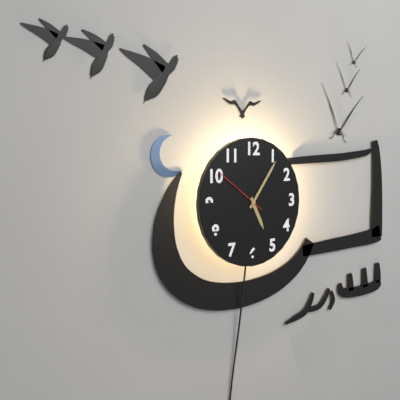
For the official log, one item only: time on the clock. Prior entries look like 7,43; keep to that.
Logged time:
5,06
